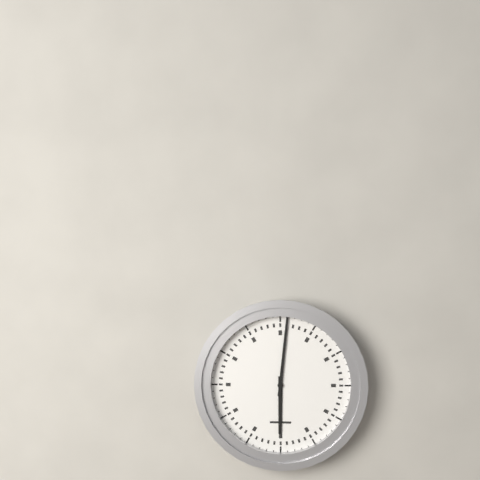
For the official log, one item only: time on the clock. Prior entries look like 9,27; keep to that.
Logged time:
6,01
